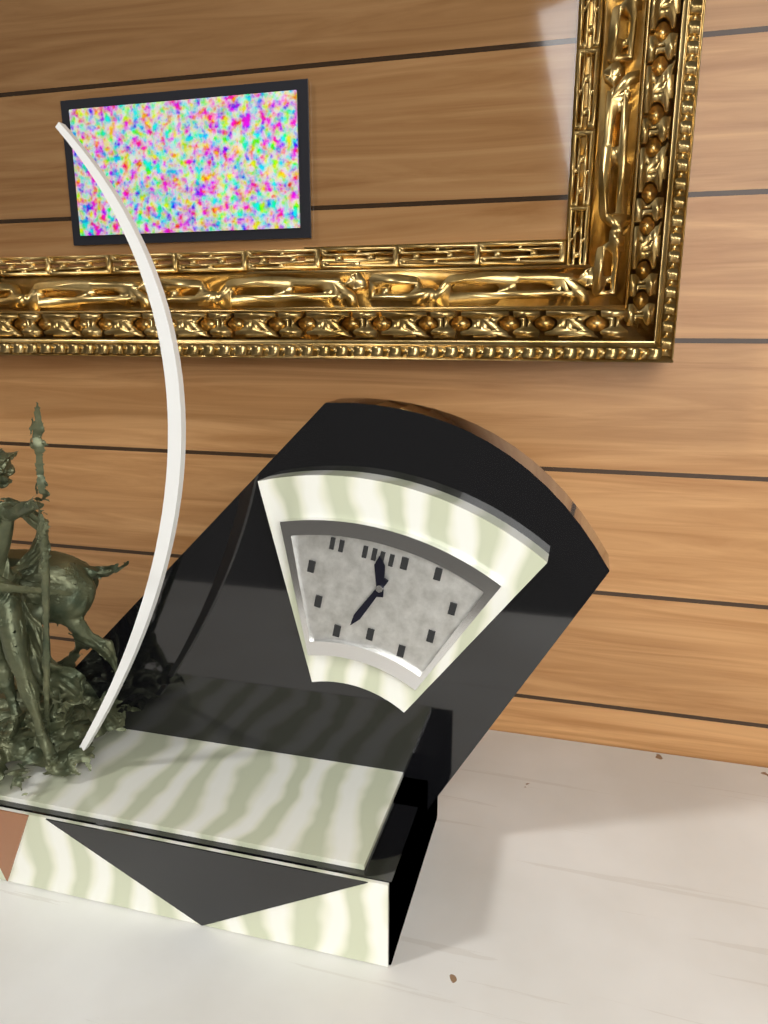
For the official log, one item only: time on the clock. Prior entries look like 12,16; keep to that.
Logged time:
11,34
